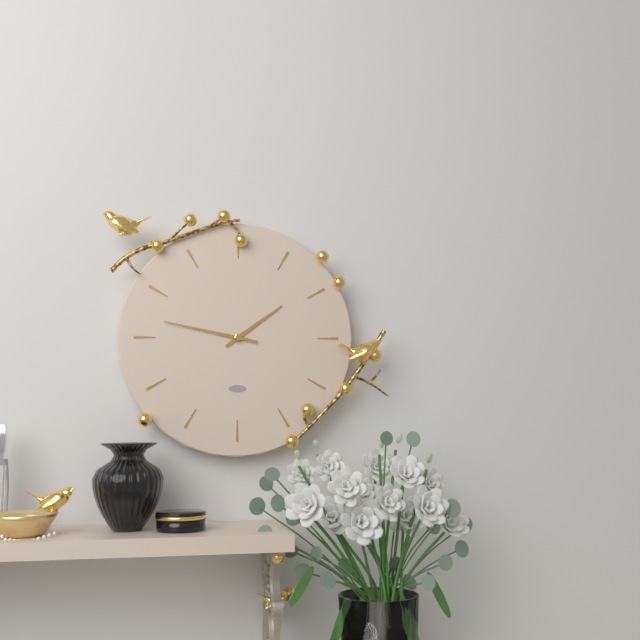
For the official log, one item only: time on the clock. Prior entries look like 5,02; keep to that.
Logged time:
1,47
